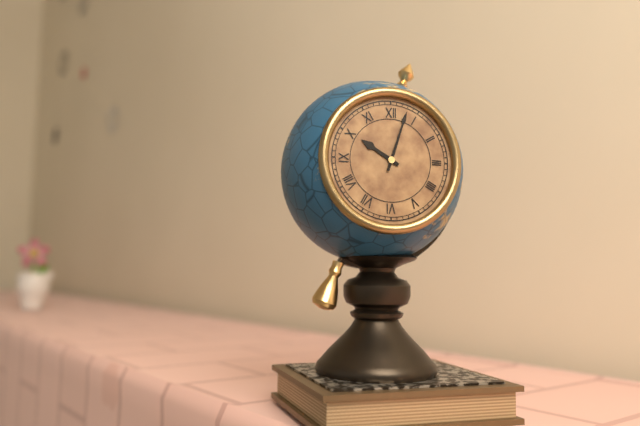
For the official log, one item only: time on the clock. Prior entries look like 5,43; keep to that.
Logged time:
10,03
